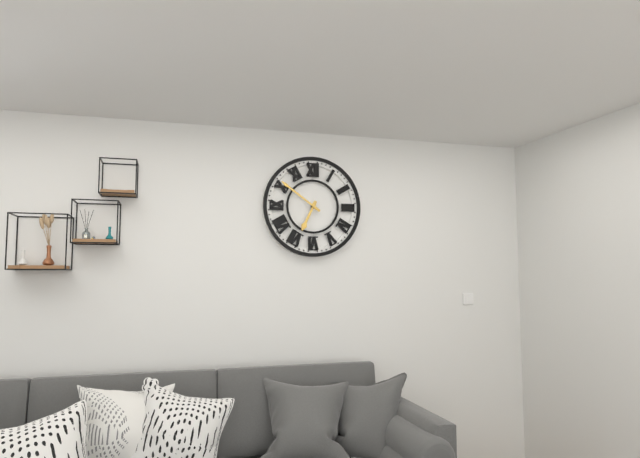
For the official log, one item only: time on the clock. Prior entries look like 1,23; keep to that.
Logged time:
6,51
